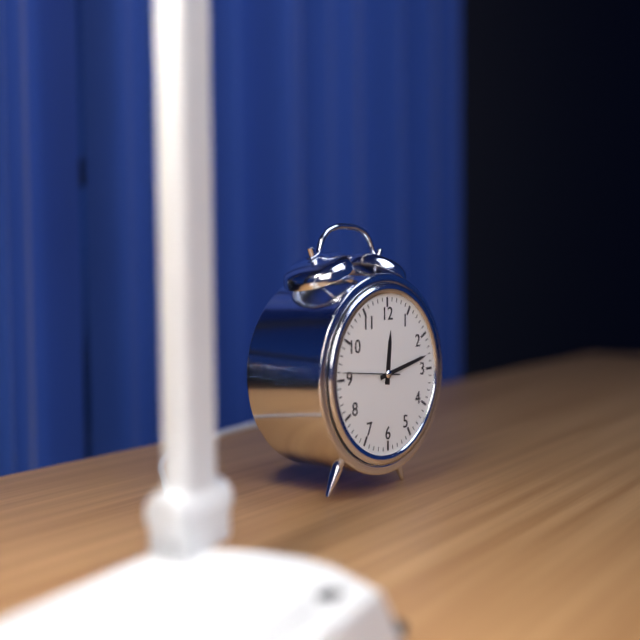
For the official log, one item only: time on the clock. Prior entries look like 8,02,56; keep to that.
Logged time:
12,13,46
